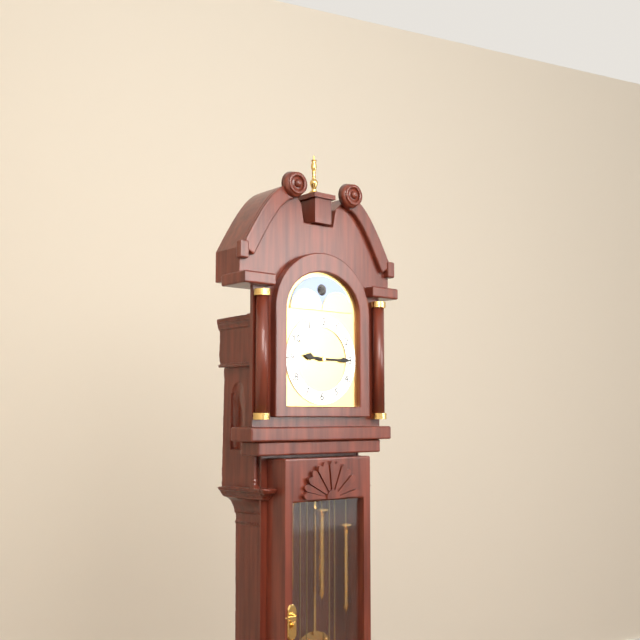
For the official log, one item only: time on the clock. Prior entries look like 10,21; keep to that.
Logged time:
9,15
